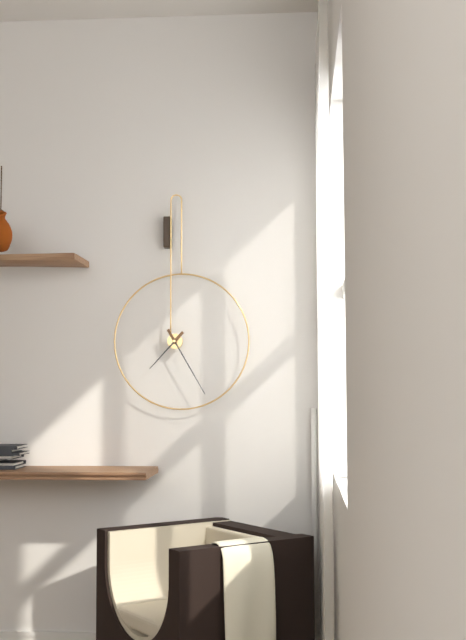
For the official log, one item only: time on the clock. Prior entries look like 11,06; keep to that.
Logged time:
7,25
